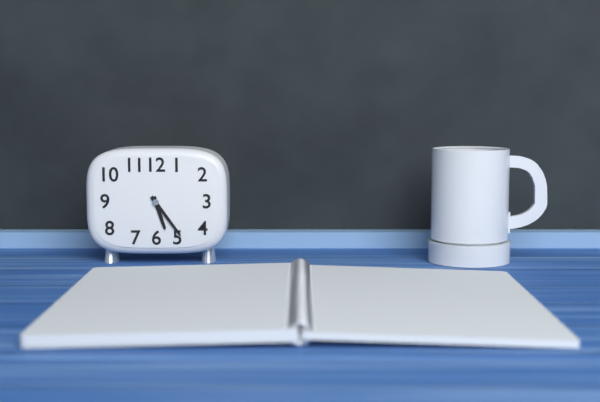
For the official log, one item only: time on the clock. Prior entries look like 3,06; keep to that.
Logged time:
5,24
